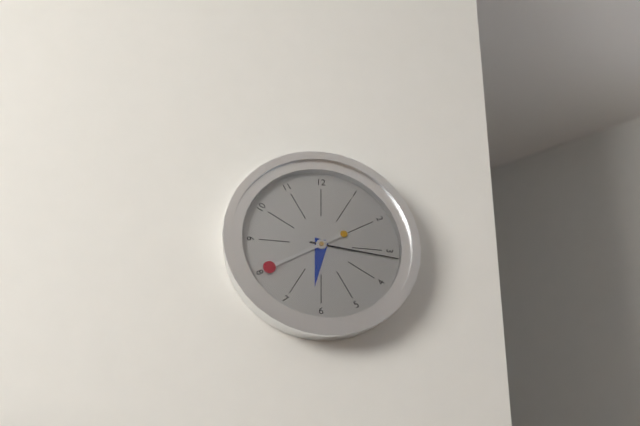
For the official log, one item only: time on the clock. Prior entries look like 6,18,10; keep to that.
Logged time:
6,16,40
